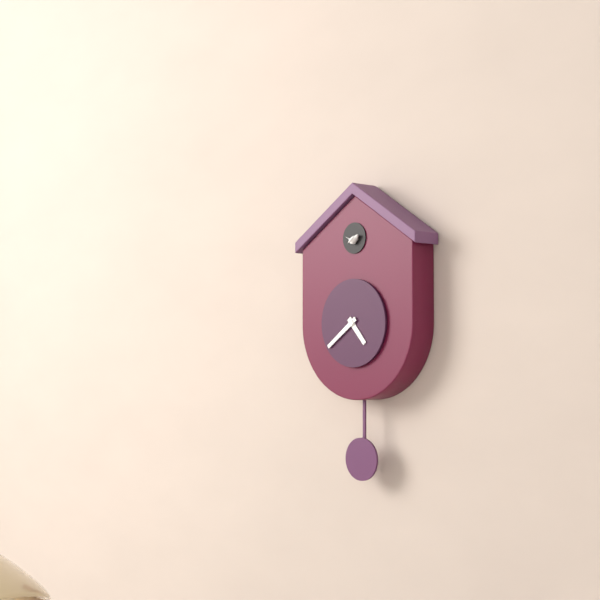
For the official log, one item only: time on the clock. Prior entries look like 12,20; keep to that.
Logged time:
4,39
